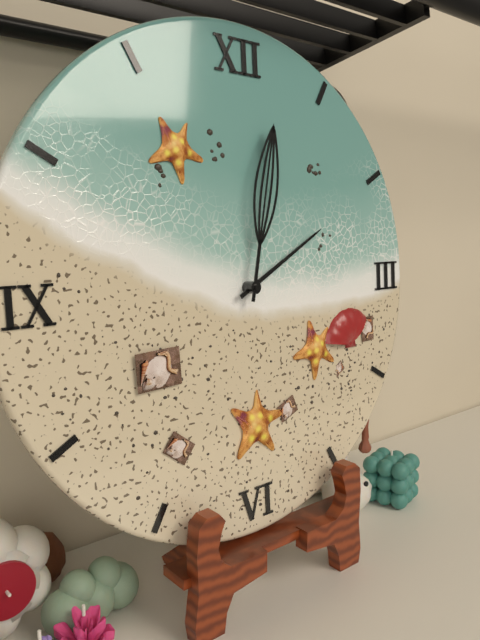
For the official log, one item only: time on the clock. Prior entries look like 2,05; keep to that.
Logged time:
2,02
